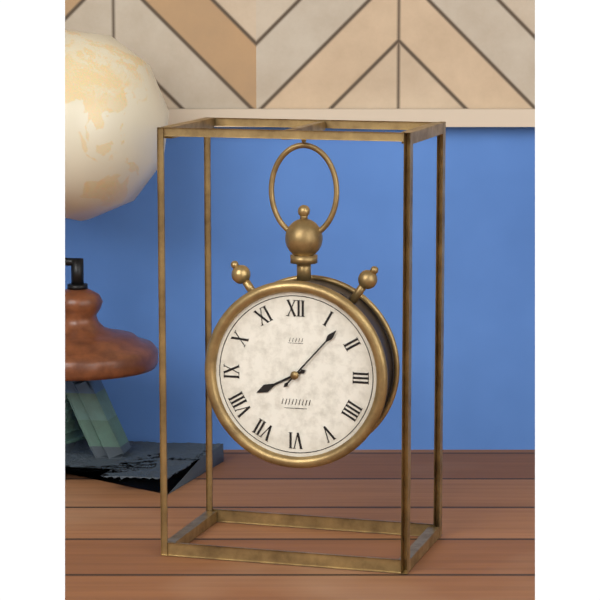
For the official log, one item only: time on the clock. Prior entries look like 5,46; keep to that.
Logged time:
8,07
